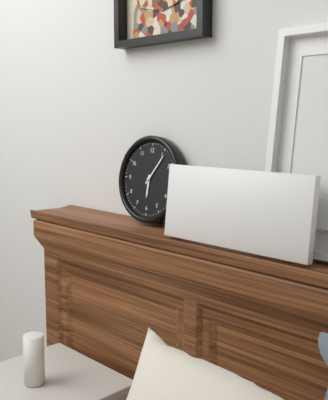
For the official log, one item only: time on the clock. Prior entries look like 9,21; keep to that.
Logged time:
6,06
